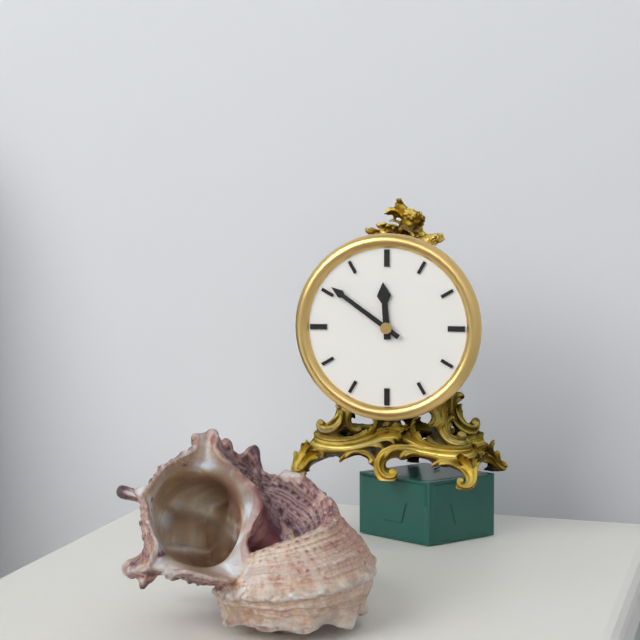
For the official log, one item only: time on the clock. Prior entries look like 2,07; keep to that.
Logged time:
11,51
